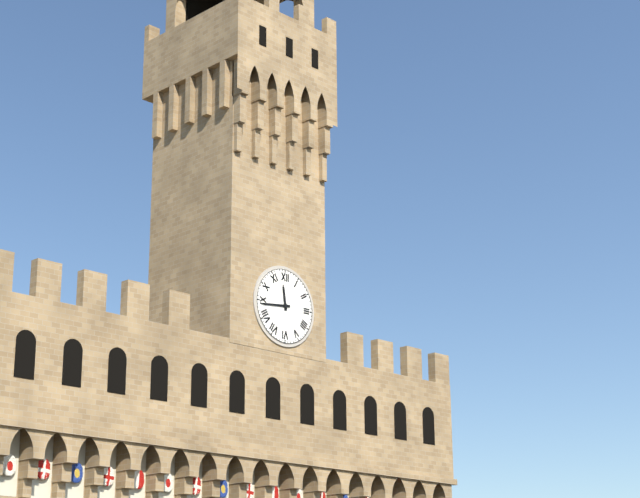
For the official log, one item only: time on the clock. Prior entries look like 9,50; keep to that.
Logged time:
11,44
